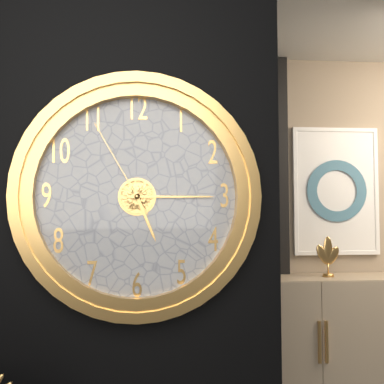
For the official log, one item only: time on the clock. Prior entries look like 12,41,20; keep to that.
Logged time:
5,15,55
